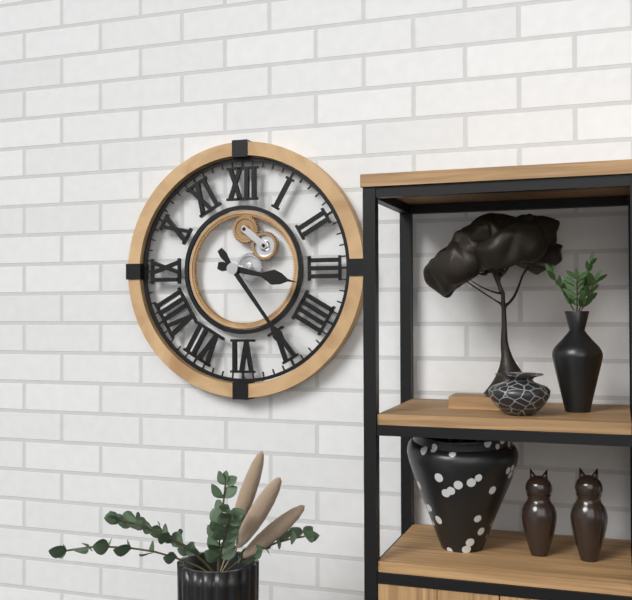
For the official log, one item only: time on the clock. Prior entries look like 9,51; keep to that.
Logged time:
3,24
